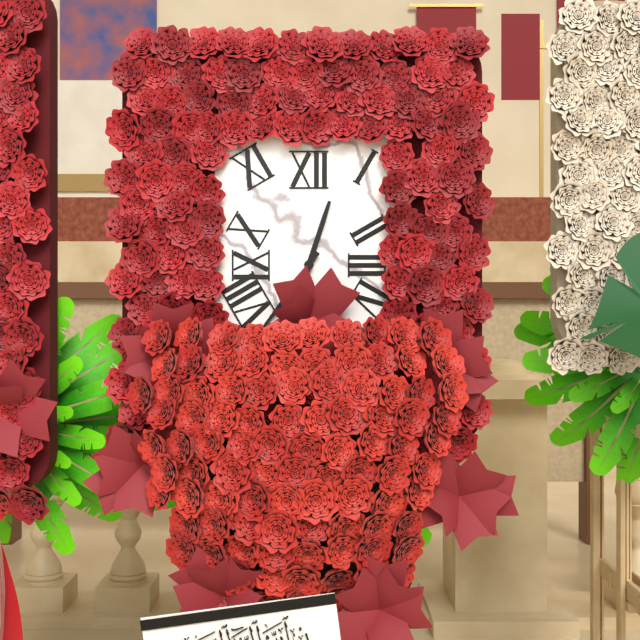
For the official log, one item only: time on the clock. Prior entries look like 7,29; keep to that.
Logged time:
12,36
